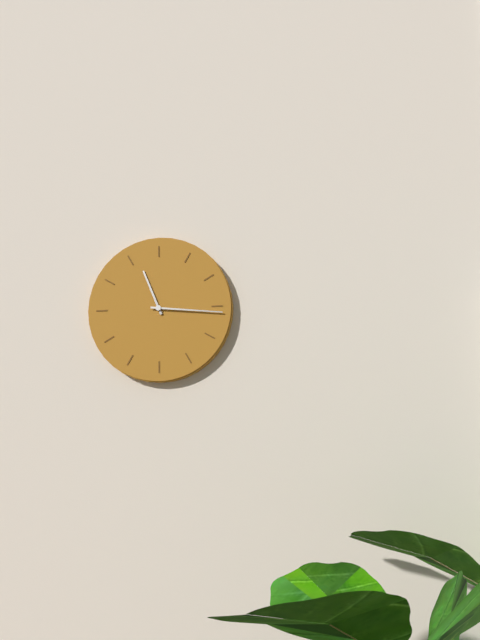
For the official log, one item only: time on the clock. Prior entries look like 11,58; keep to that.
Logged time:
11,16
